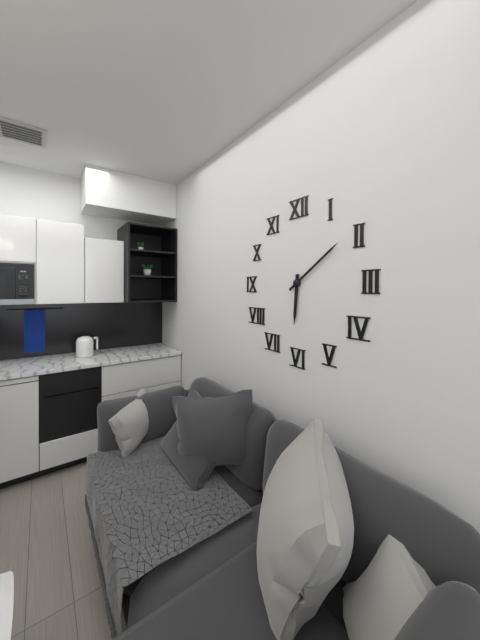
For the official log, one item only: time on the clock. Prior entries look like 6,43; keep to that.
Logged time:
6,09
